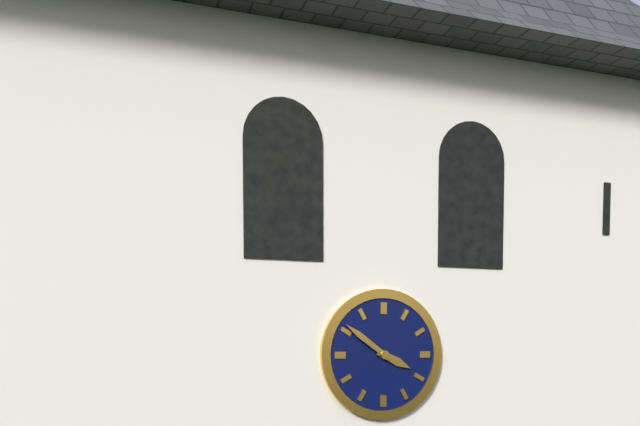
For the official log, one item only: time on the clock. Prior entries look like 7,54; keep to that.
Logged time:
3,51
